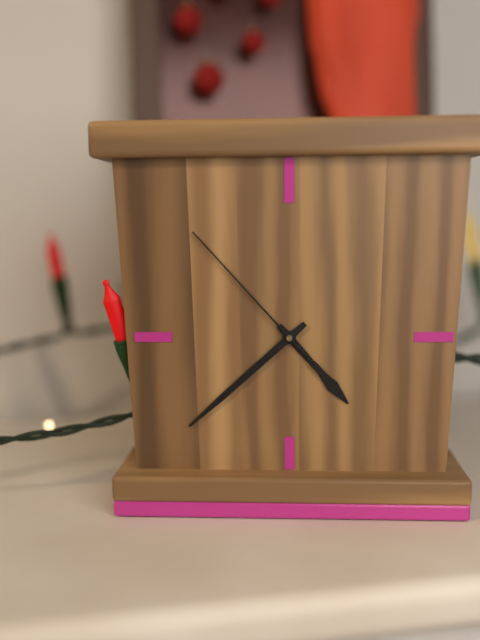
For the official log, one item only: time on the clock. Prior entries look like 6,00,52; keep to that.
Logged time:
4,38,53
